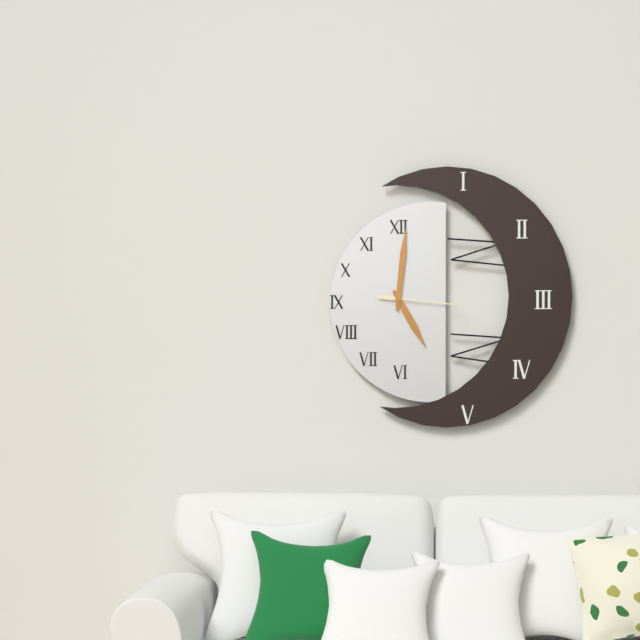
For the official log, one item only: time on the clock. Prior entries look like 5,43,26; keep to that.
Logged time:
5,01,16
